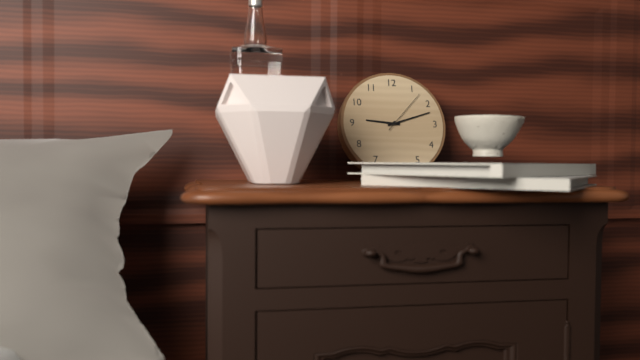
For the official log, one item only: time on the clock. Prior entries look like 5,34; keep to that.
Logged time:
9,12
